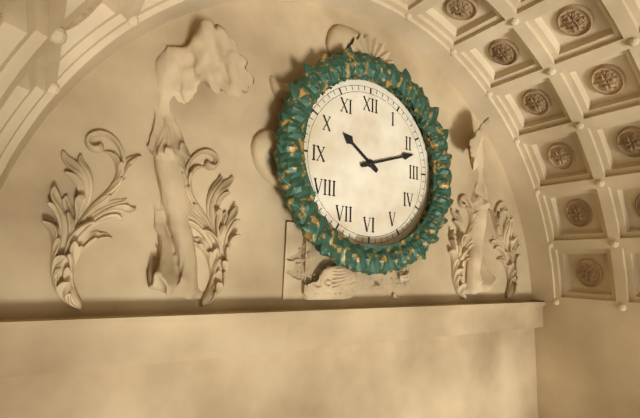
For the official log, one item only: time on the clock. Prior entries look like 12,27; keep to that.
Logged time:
10,12
